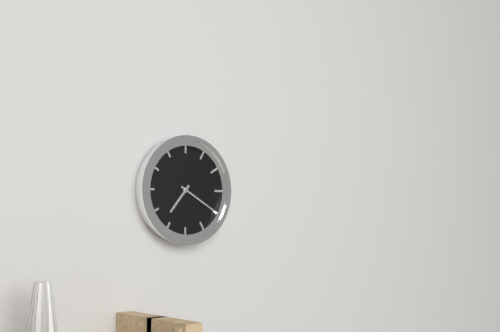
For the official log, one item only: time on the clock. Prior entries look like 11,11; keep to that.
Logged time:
7,20
